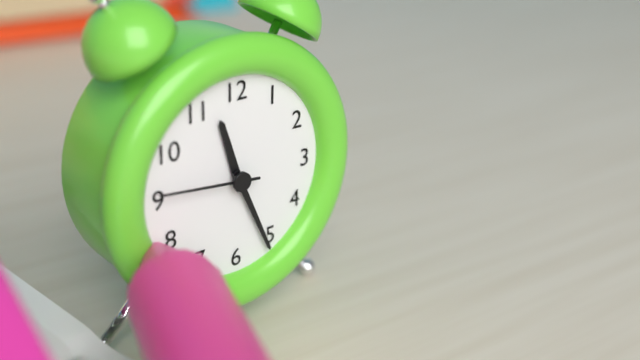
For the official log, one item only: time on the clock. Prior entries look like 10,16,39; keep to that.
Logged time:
11,26,46
